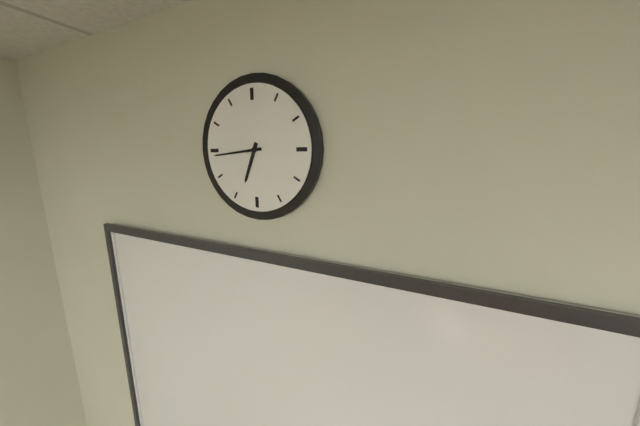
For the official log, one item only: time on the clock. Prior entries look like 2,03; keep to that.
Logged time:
6,44
